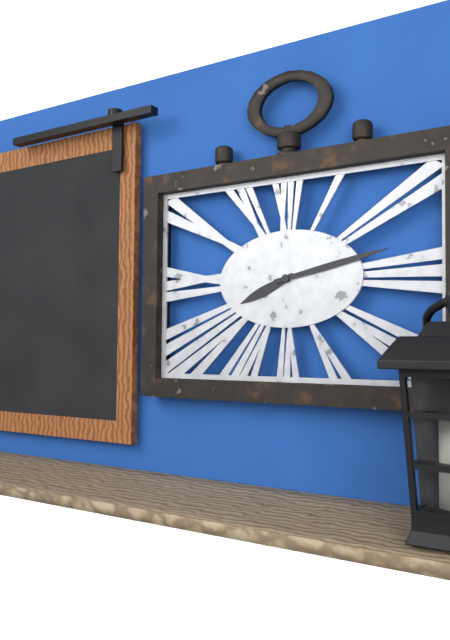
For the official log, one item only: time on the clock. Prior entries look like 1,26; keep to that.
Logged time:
8,13
